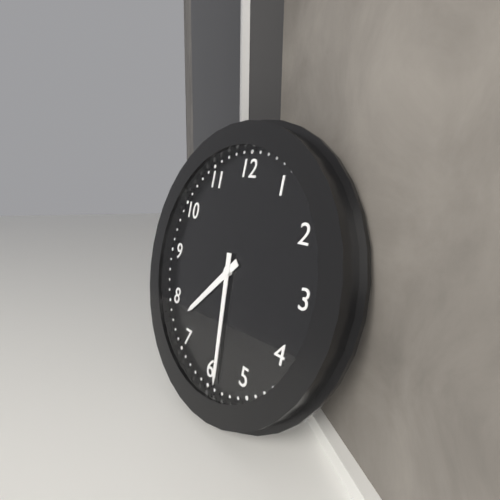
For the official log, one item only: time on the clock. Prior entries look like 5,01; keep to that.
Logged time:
7,29
